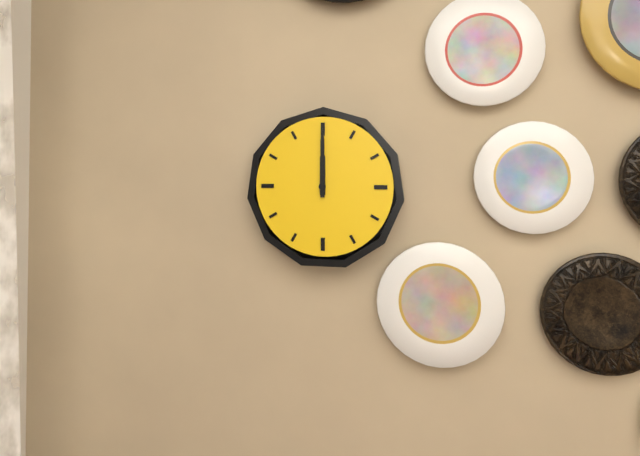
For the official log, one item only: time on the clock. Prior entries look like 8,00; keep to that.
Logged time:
12,00
